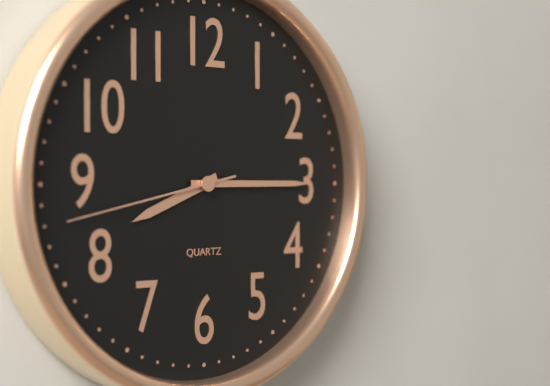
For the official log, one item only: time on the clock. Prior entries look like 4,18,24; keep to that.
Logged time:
8,15,43
